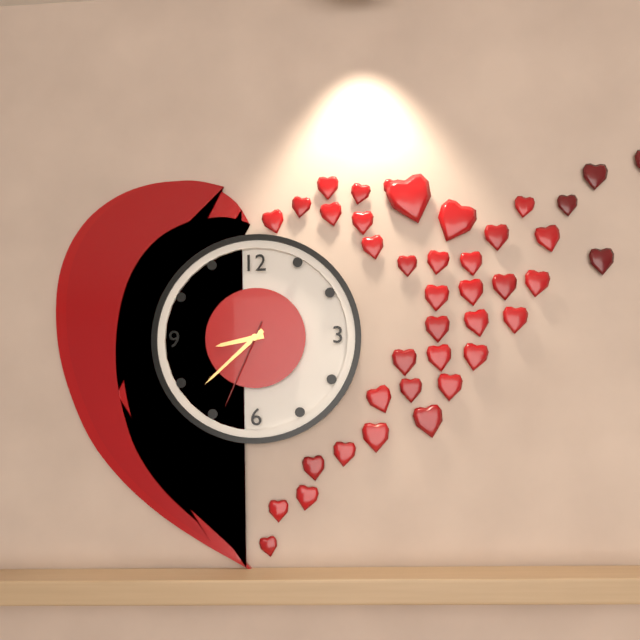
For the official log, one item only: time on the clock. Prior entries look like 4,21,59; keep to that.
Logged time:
8,38,34
